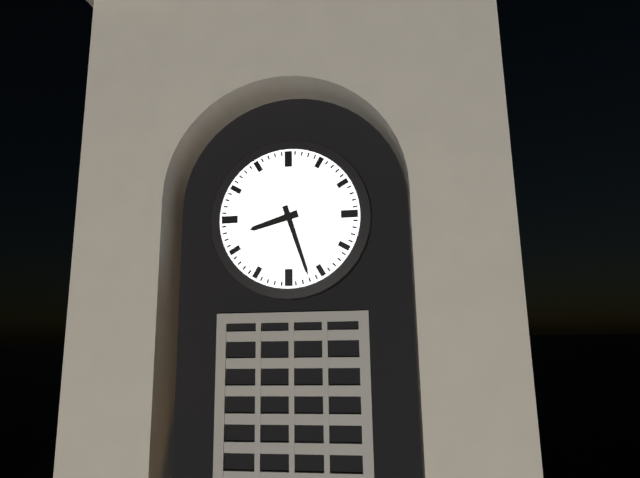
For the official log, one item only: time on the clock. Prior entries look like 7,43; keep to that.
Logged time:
8,27
